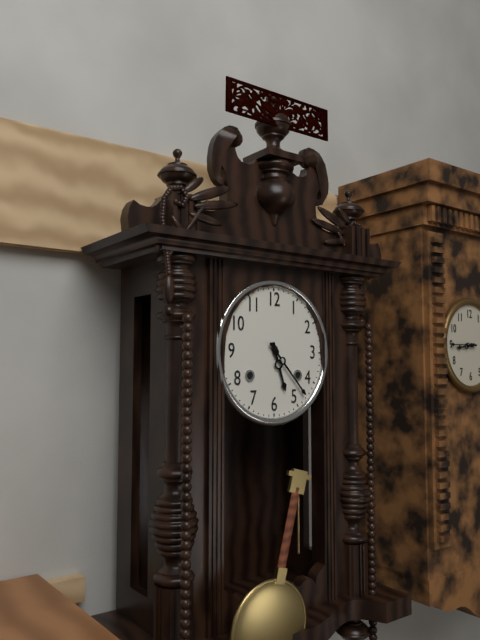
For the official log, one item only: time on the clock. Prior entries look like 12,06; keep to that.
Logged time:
5,23
